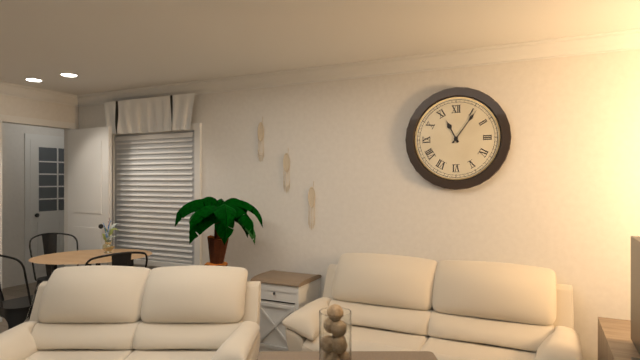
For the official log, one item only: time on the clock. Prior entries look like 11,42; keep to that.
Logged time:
11,06
